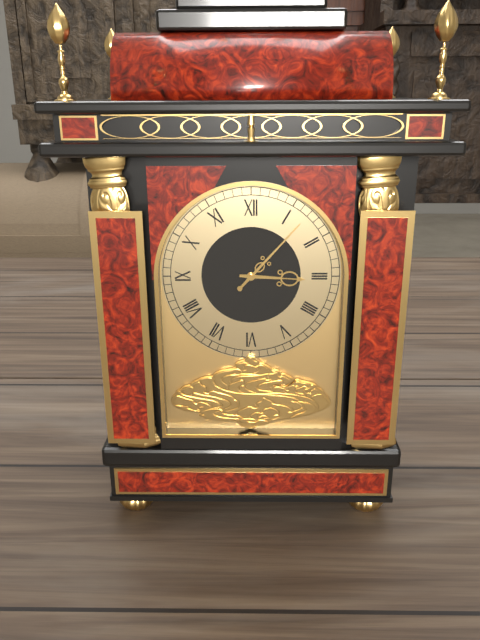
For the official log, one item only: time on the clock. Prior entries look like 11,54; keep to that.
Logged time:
3,07
